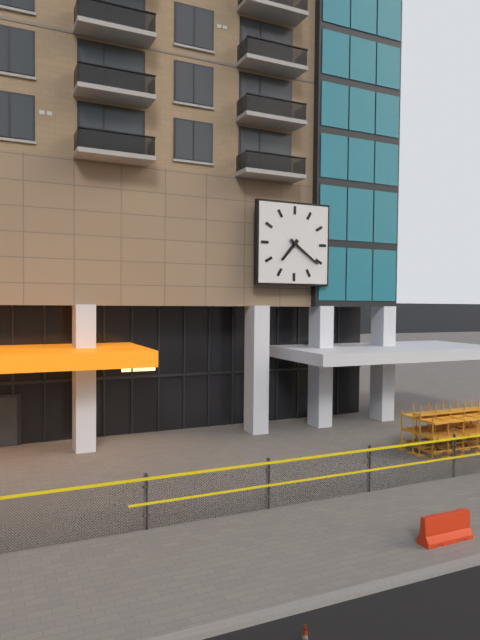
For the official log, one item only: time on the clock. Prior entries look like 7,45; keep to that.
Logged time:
7,21
